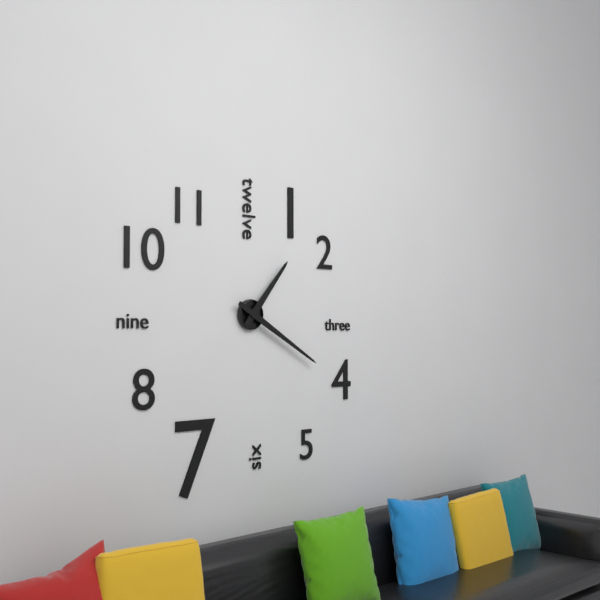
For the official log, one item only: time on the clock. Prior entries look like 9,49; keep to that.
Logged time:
1,20
